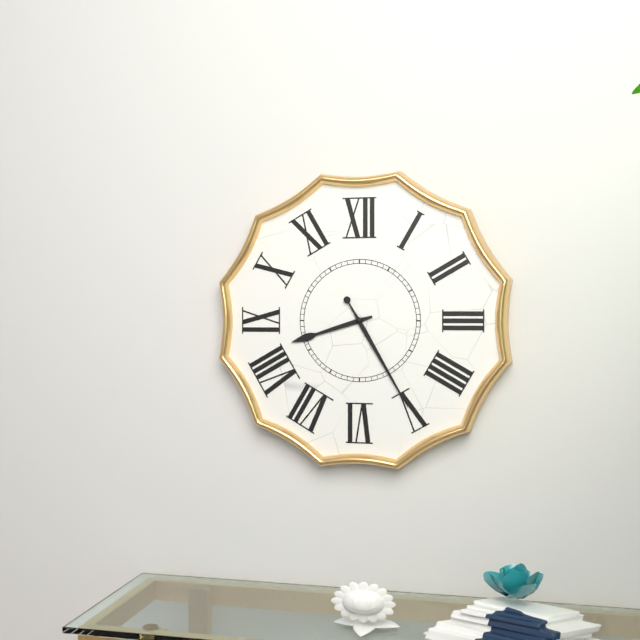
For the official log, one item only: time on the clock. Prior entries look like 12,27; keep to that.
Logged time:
8,25
